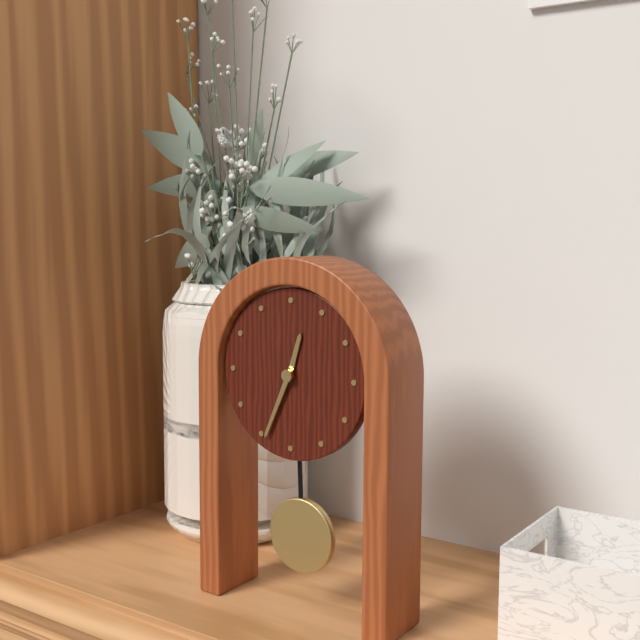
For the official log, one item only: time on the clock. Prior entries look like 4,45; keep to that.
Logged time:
12,34
